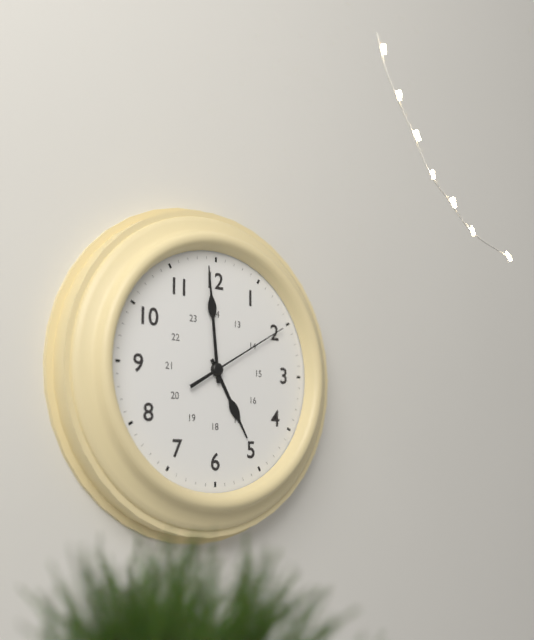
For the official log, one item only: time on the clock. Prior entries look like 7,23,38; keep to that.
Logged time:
4,59,10
